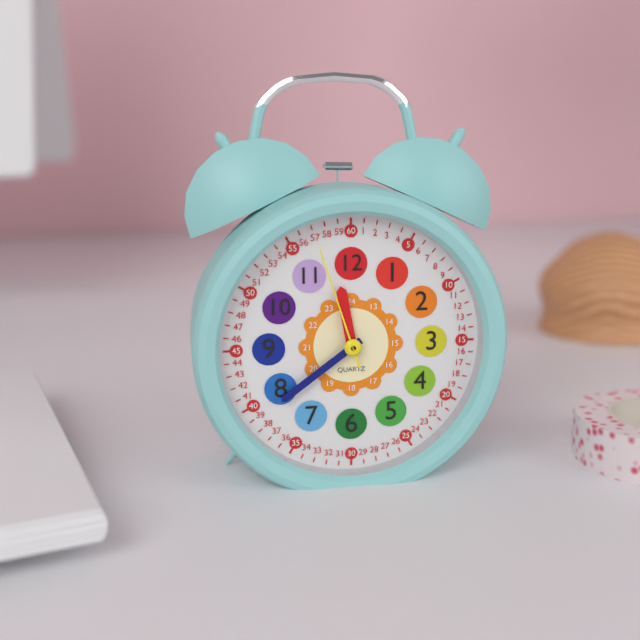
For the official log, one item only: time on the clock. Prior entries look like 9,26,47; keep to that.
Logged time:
11,39,57
